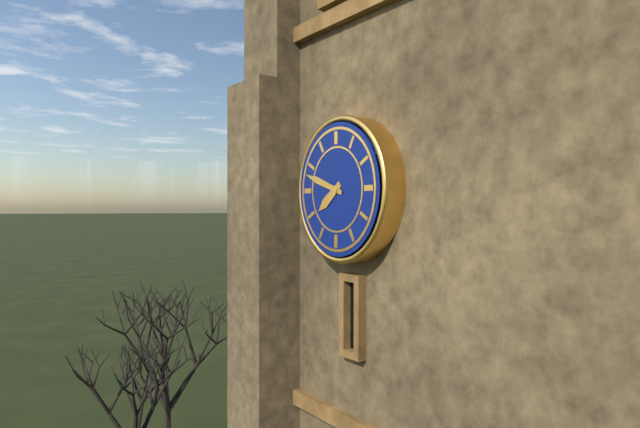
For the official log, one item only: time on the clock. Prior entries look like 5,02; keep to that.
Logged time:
7,48
